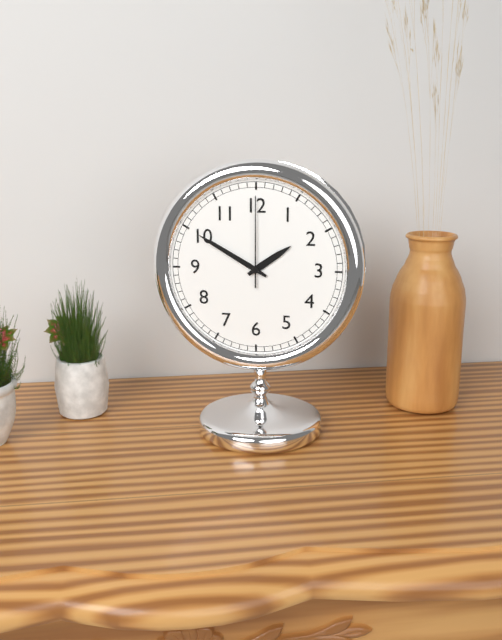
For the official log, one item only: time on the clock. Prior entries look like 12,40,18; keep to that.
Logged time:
1,50,00
